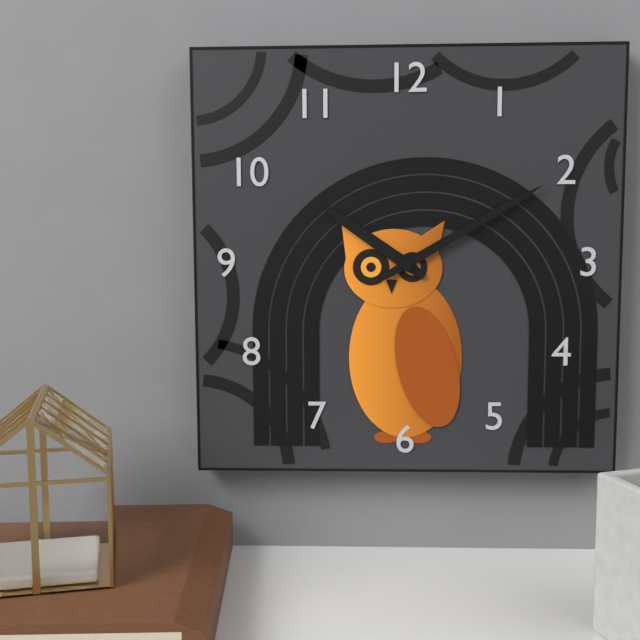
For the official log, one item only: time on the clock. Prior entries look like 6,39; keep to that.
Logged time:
10,10
